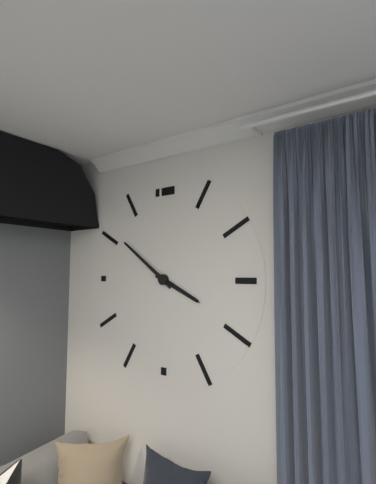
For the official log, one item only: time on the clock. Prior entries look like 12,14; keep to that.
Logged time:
3,51
